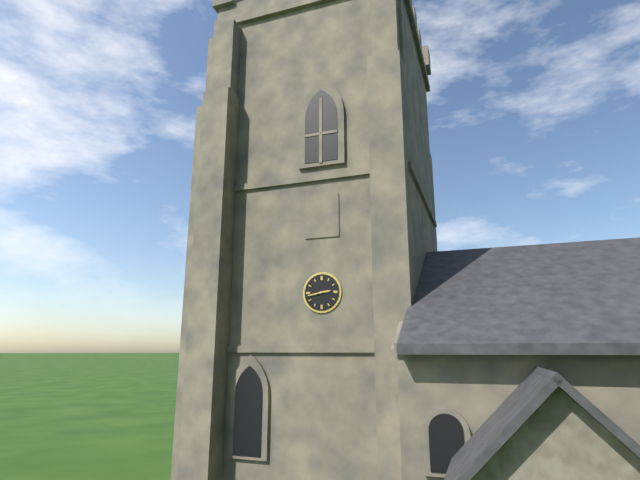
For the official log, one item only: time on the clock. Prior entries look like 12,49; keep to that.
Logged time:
2,43
